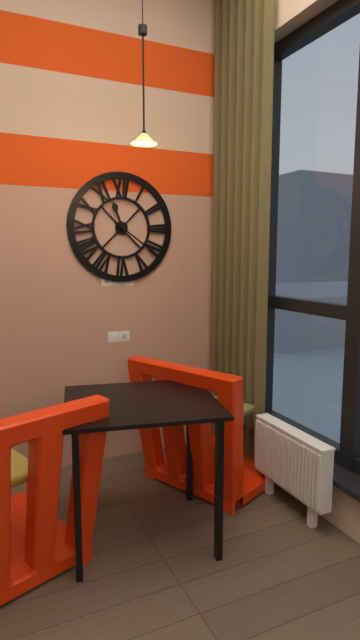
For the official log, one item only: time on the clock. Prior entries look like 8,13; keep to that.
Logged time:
11,21
